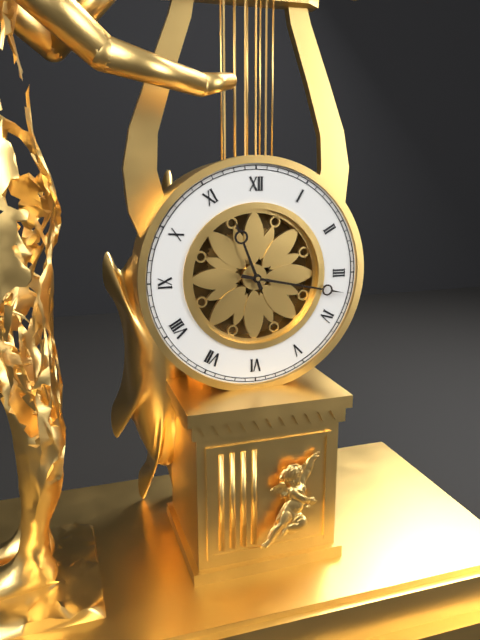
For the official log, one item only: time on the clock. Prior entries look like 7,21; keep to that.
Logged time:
11,17
